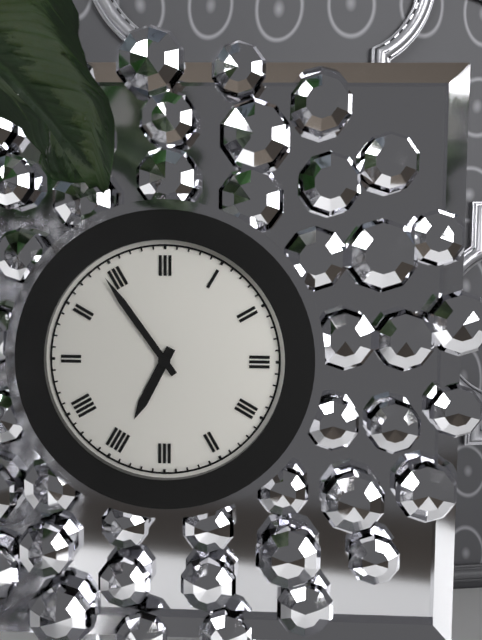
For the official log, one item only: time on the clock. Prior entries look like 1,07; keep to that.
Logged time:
6,54
